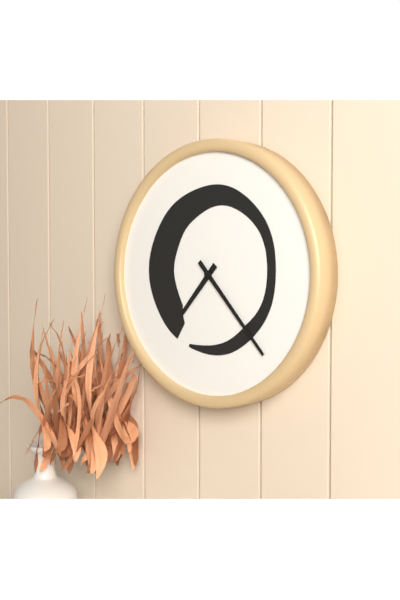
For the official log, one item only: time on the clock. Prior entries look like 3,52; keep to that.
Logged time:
7,23
